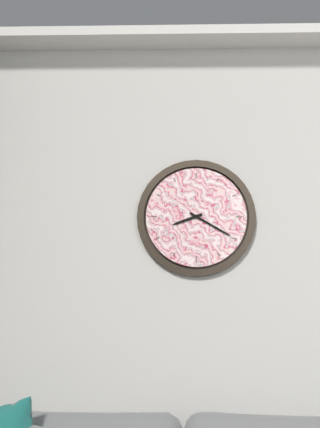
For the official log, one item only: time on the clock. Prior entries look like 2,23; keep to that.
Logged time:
8,20
